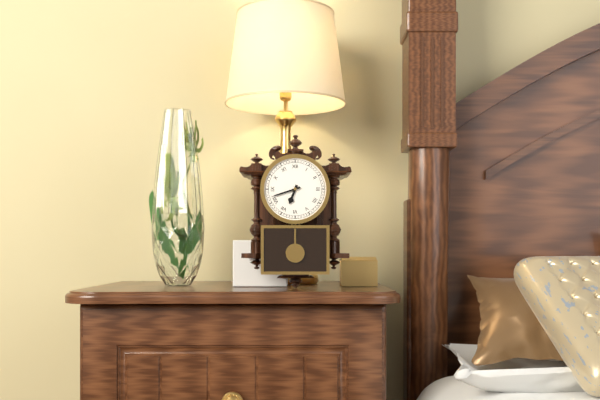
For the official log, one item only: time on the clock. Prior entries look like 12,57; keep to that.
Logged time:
6,42
